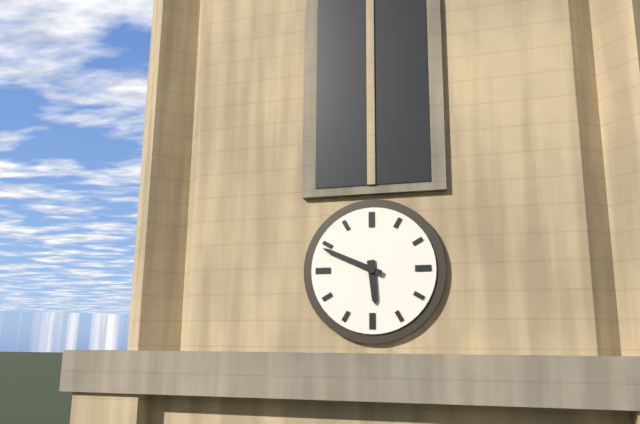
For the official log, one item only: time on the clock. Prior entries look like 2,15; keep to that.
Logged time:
5,49
